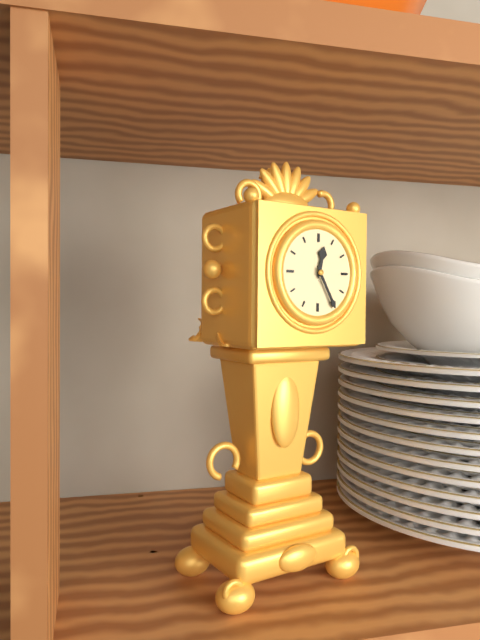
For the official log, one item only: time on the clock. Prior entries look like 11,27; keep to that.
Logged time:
12,25
